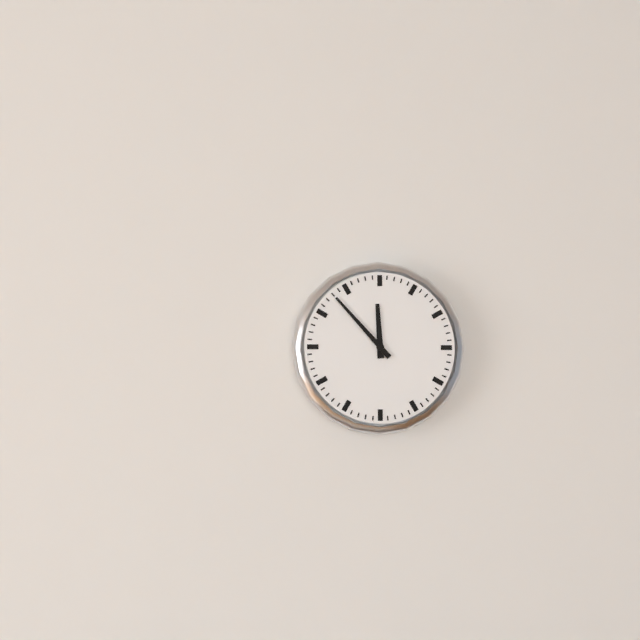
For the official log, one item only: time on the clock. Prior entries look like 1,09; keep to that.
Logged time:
11,53
